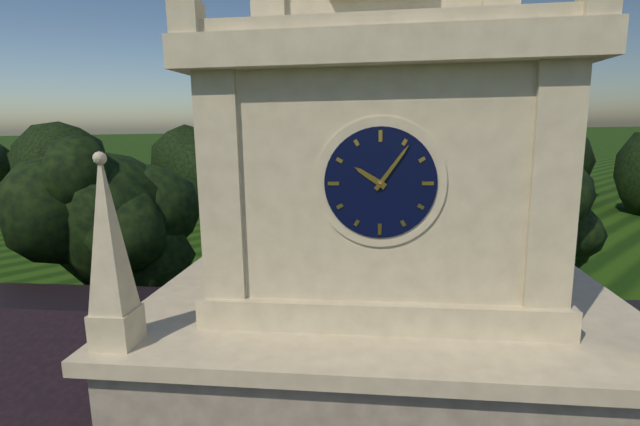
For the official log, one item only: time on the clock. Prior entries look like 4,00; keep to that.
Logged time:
10,06
